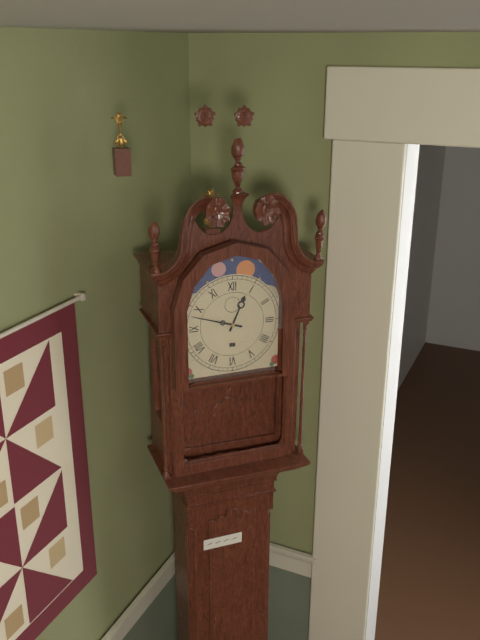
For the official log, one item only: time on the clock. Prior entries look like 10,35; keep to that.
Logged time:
12,48
